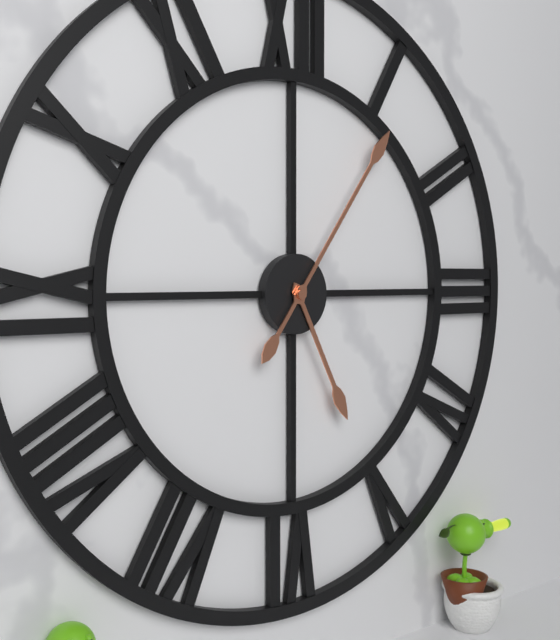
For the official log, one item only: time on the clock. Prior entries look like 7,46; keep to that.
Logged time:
5,06
